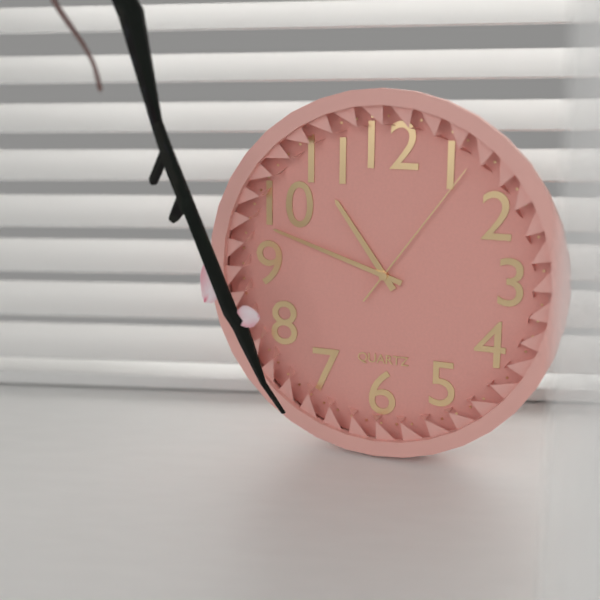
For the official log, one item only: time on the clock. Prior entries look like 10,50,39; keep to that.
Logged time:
10,48,06
